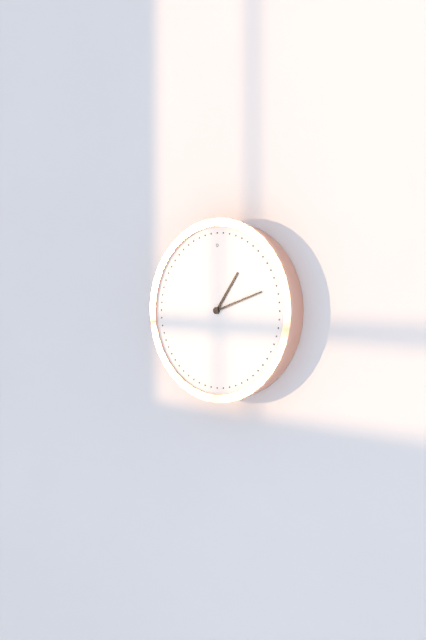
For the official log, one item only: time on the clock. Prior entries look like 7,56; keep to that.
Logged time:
1,12
